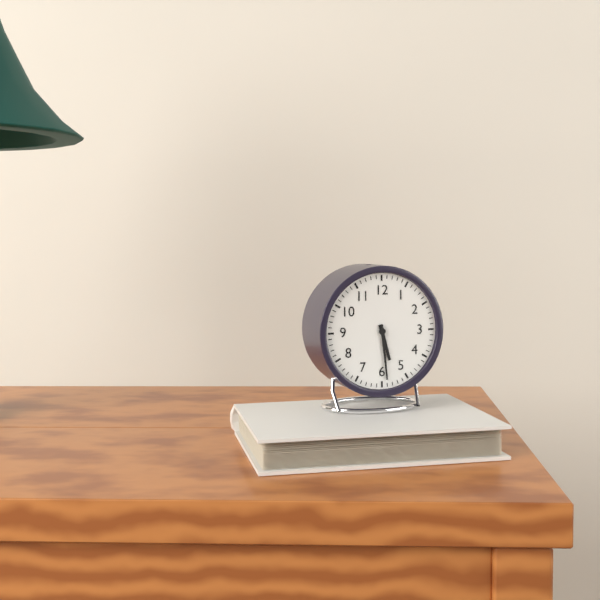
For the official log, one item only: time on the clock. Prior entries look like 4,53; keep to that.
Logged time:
5,29
